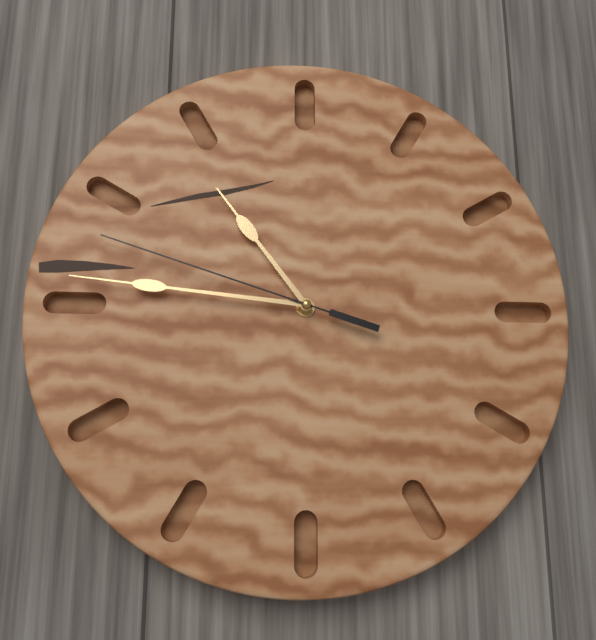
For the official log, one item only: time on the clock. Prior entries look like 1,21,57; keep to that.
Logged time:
10,46,48
